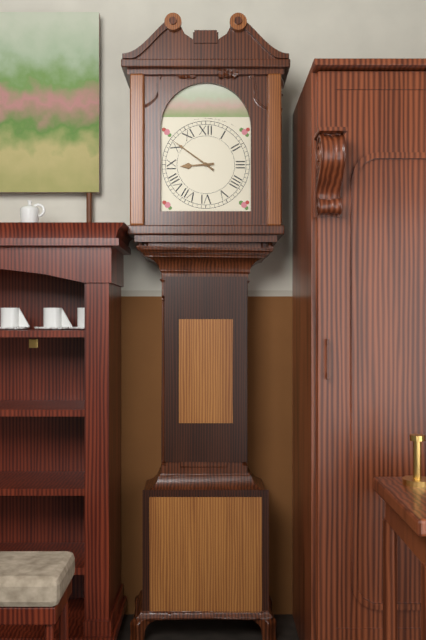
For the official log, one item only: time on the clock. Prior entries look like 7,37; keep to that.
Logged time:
8,51
